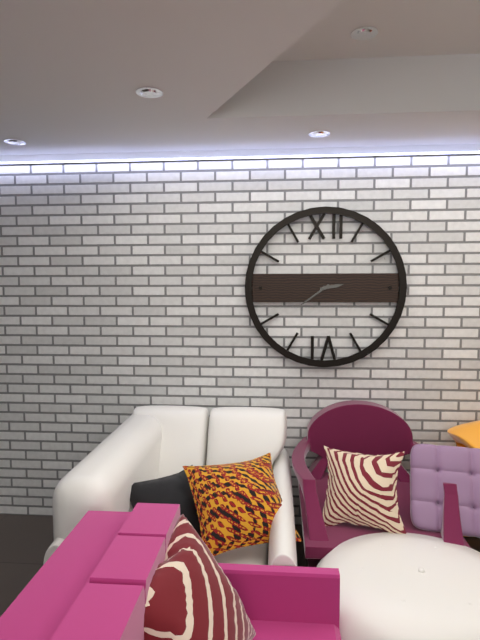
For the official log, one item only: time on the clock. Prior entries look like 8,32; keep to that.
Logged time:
2,39
